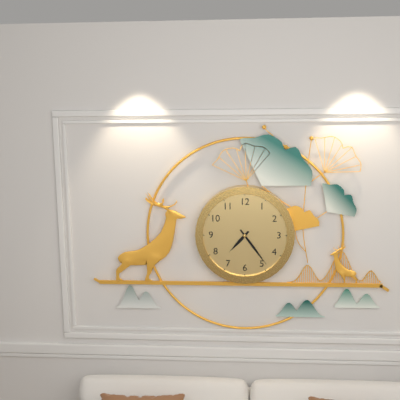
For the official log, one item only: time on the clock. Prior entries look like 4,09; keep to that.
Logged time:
7,24
